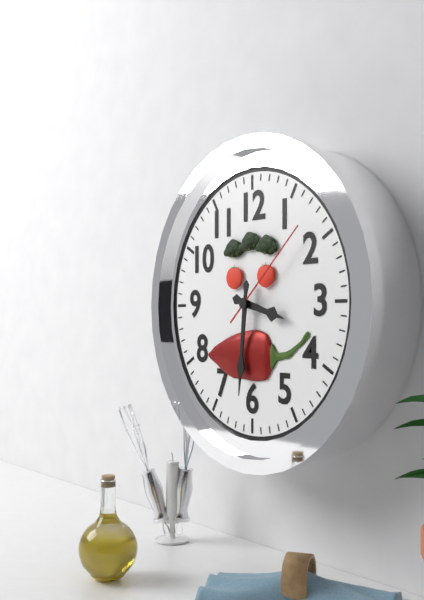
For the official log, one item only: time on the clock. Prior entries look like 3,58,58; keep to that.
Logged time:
3,31,08
